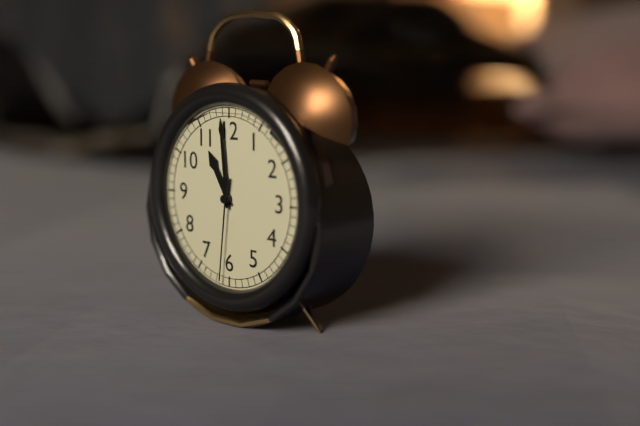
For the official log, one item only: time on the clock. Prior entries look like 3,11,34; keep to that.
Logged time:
10,59,31
